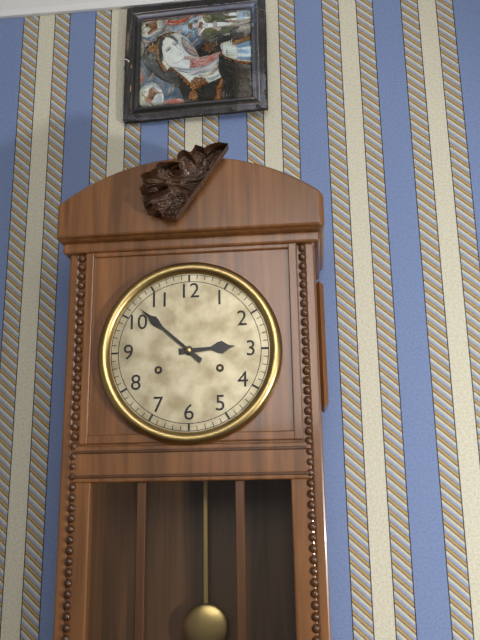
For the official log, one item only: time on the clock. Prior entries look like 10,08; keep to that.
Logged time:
2,52
